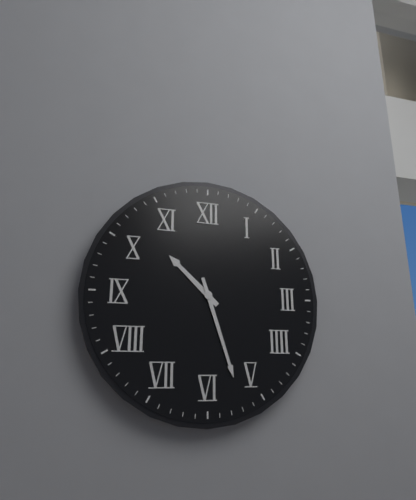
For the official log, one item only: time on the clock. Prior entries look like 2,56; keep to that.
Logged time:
10,27
